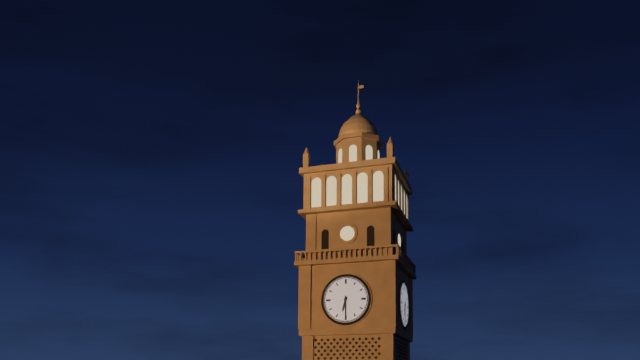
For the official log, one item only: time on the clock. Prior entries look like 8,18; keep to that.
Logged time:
6,30
